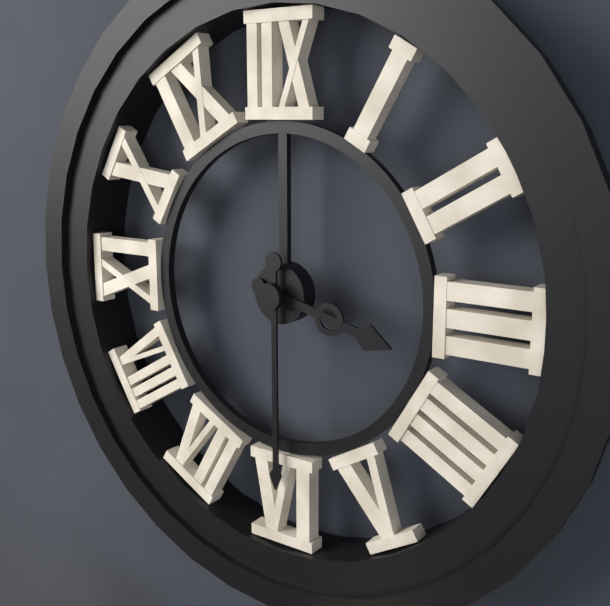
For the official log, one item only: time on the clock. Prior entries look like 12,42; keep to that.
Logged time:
3,30
